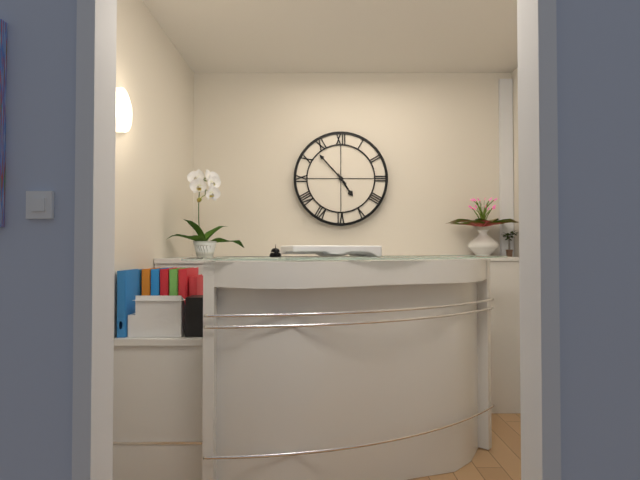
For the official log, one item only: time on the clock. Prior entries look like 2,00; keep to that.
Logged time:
4,53
